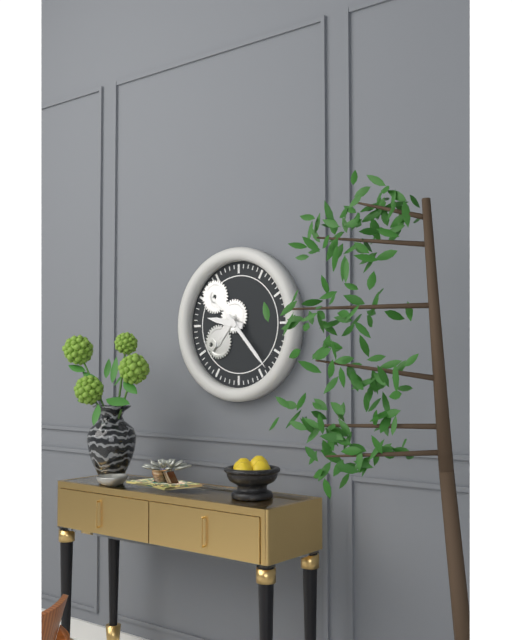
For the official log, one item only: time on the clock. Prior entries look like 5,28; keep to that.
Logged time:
9,23
